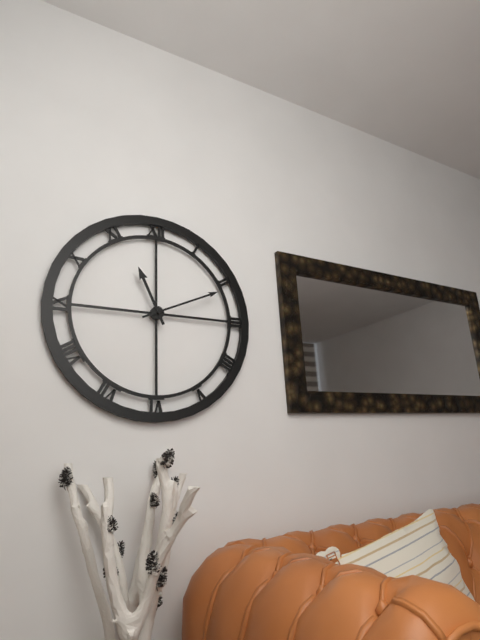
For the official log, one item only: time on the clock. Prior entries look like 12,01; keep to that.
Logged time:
11,11
